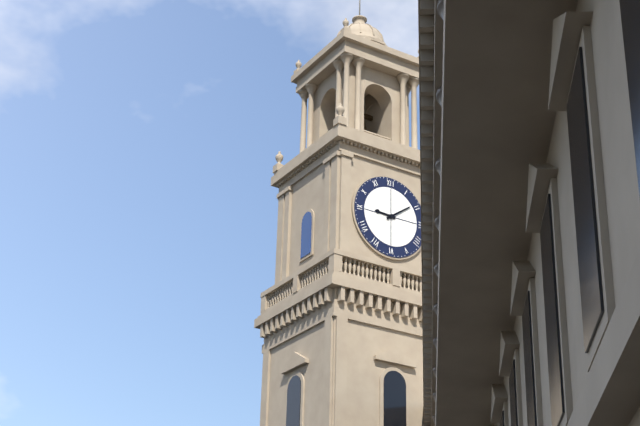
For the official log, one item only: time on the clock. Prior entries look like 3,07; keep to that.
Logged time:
9,09
